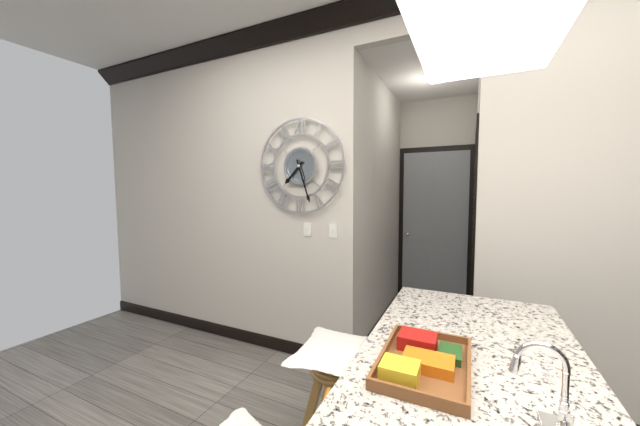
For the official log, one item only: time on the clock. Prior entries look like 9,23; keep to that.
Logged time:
7,27
